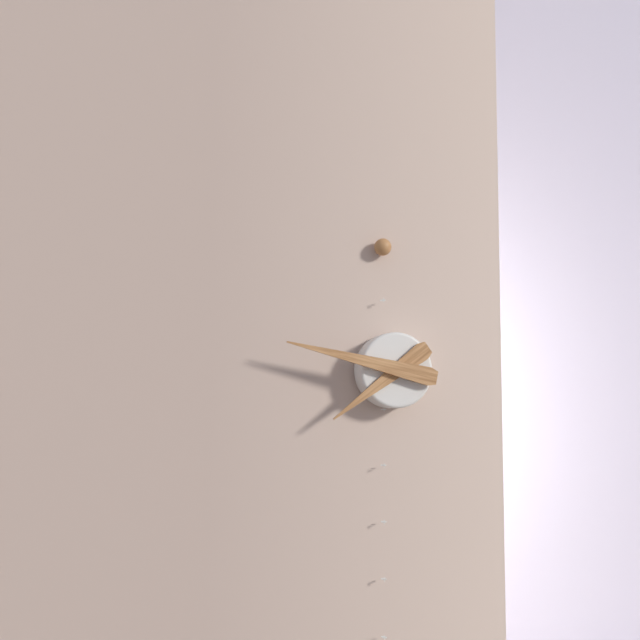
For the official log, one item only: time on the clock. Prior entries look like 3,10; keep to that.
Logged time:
7,47
